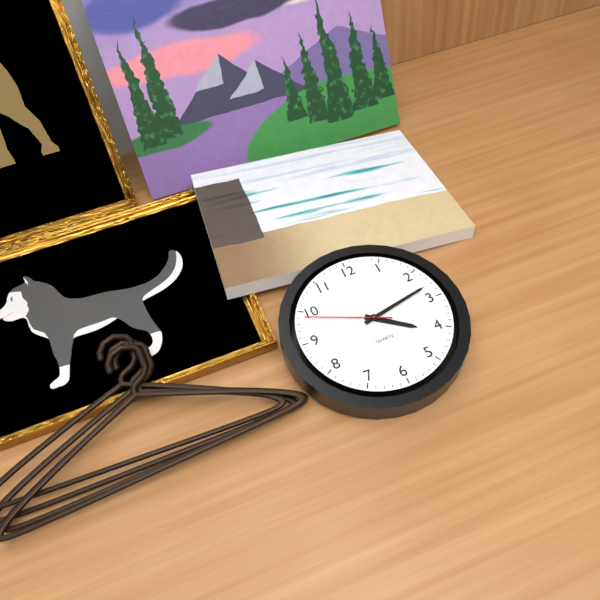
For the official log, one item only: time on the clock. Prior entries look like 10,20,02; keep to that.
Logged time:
4,13,49
